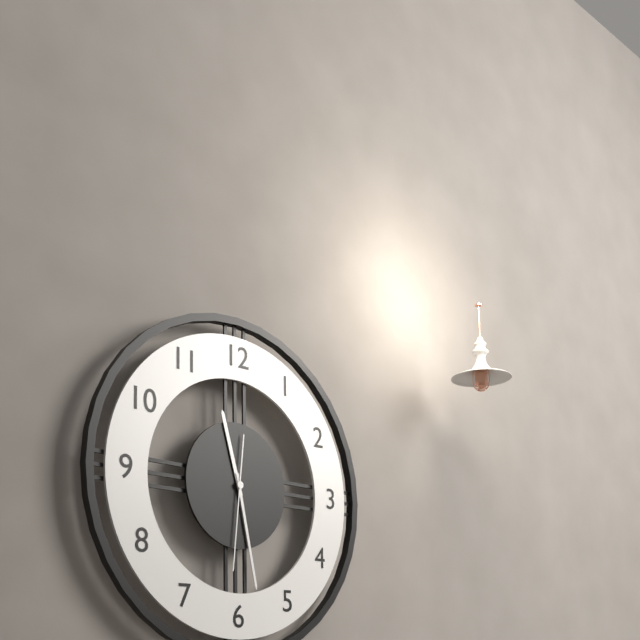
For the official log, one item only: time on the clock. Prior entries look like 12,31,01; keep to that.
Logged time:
11,28,31
